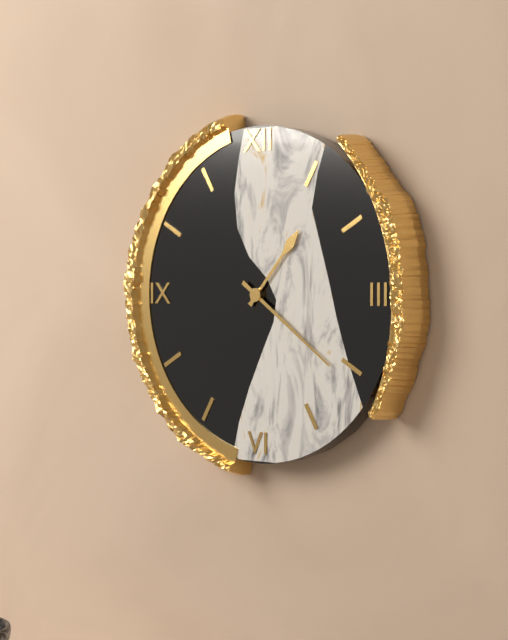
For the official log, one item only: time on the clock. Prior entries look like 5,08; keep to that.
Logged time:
1,21
